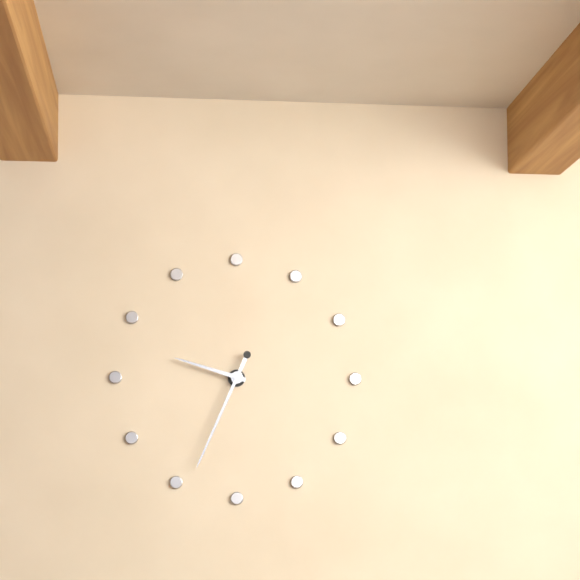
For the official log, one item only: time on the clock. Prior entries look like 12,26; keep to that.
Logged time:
9,34
